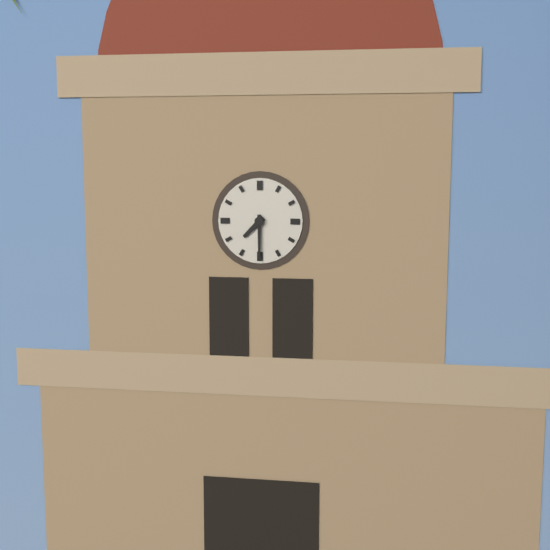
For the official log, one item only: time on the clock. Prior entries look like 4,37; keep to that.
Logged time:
7,30
